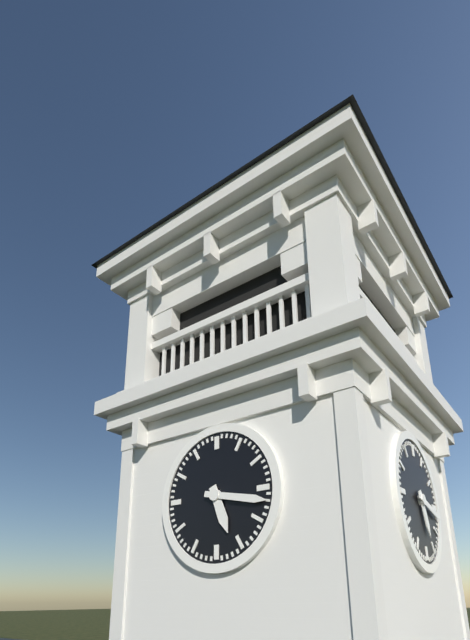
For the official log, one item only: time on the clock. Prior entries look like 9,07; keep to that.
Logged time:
5,17
